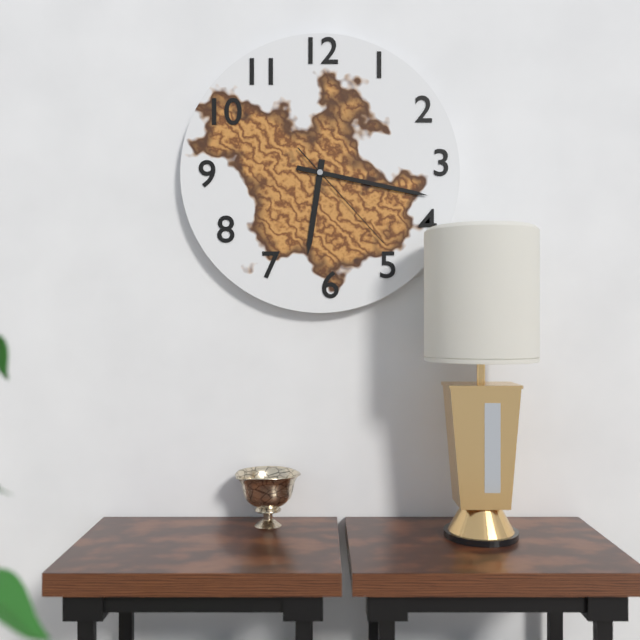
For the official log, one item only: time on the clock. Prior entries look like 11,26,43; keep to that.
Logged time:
6,17,23
